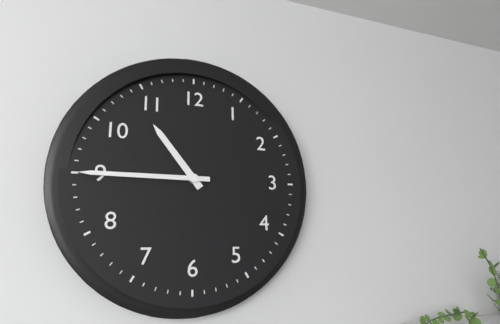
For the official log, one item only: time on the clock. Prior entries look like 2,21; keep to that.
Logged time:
10,45
